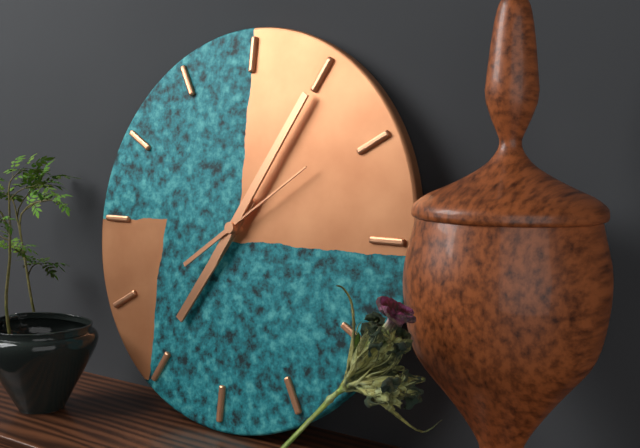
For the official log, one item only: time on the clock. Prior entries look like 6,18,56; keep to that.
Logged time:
7,05,09
